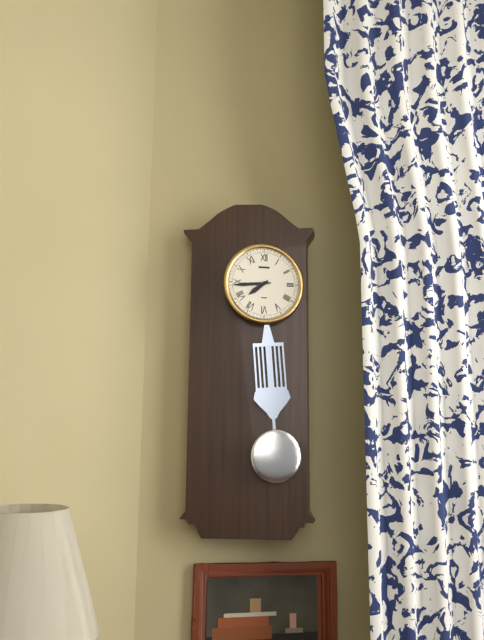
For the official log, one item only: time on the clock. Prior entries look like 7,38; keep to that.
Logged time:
7,44
